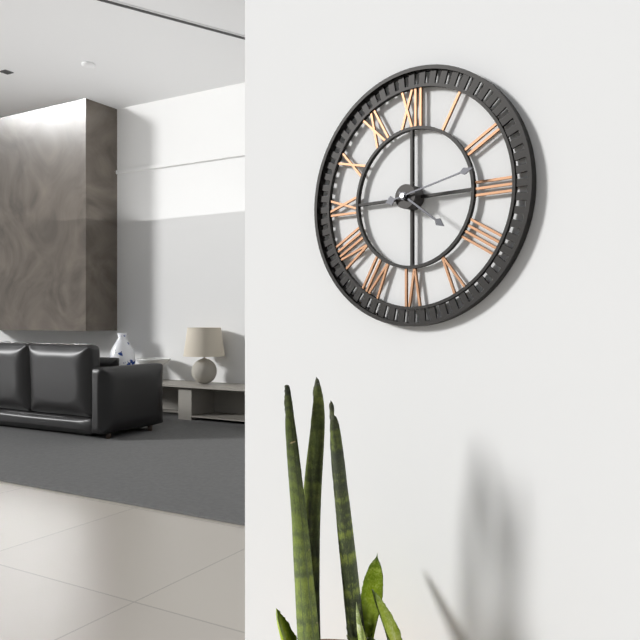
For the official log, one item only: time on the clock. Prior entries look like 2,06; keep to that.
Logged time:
4,13
